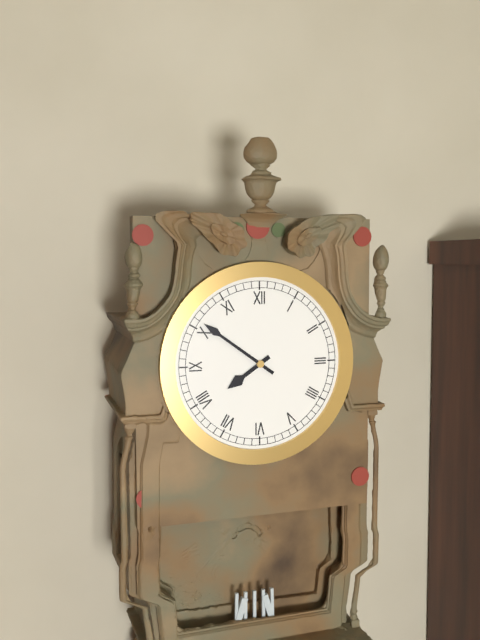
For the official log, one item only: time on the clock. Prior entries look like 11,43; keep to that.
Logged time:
7,51
